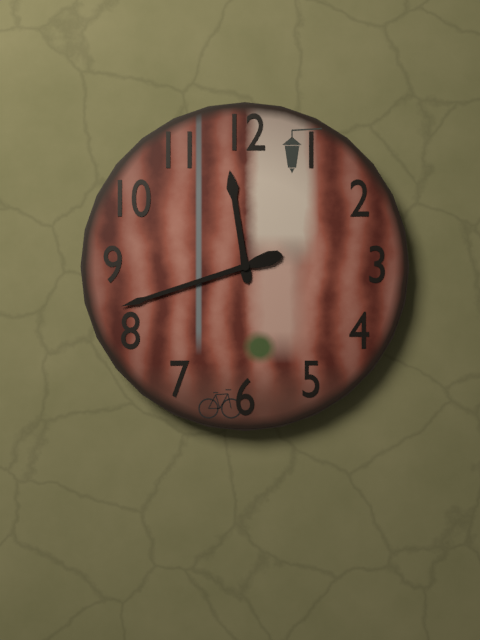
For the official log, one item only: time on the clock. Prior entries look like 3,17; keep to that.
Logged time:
11,42
